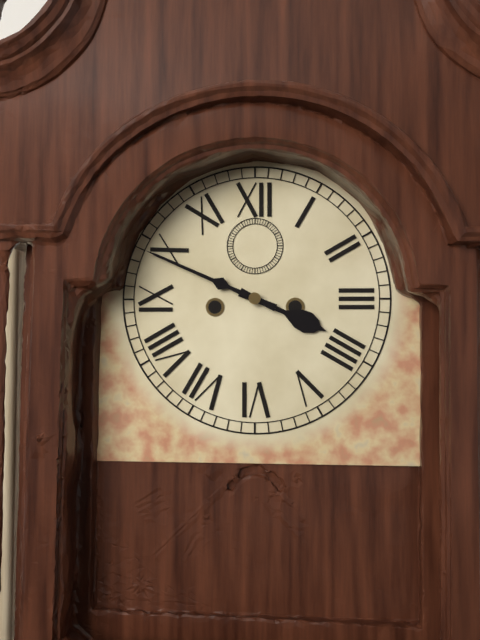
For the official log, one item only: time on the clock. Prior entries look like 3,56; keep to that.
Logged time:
3,49
